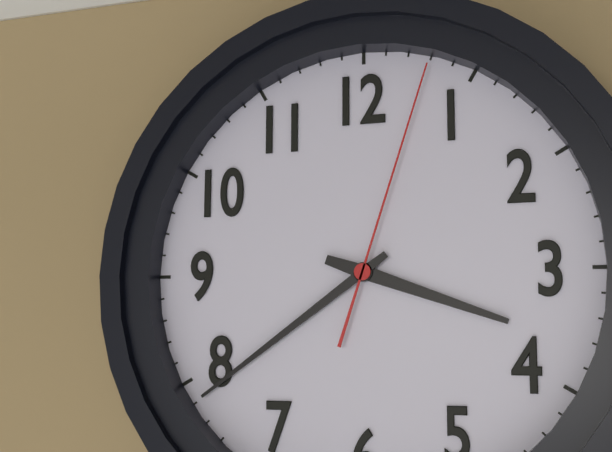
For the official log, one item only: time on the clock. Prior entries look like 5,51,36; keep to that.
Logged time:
3,39,03
